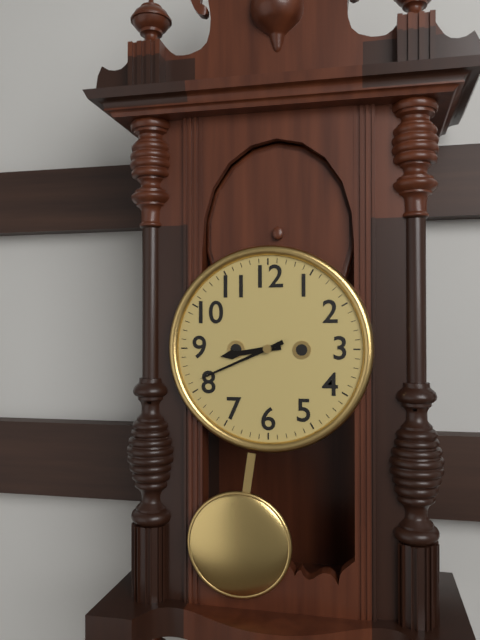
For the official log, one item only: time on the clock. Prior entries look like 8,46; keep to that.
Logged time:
8,41
